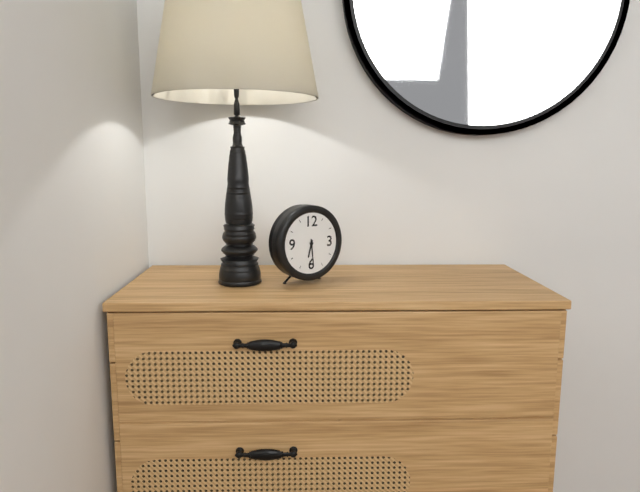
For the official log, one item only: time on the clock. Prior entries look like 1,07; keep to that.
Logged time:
6,29
